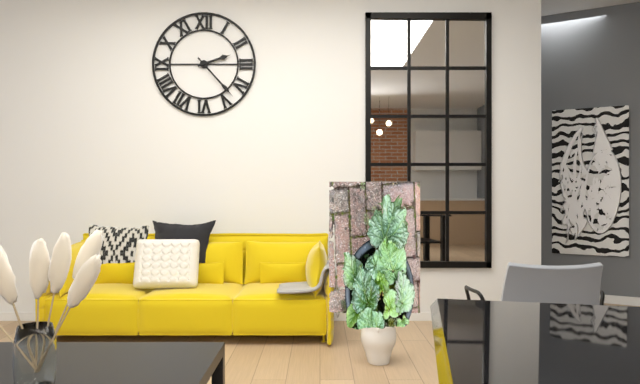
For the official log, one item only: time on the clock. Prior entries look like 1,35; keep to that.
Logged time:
2,23
